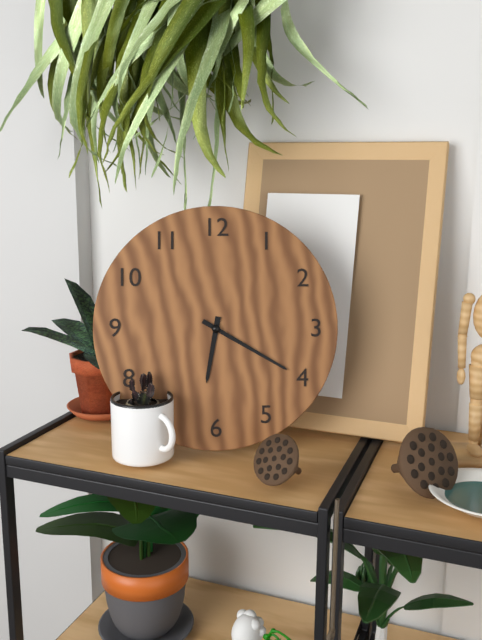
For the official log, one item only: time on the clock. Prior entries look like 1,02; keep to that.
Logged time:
6,20
